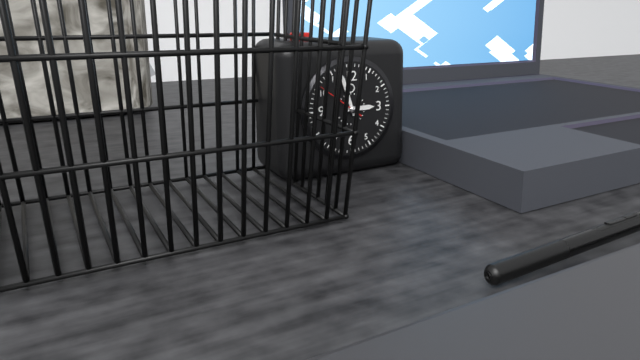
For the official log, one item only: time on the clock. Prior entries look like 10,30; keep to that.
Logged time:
2,57
